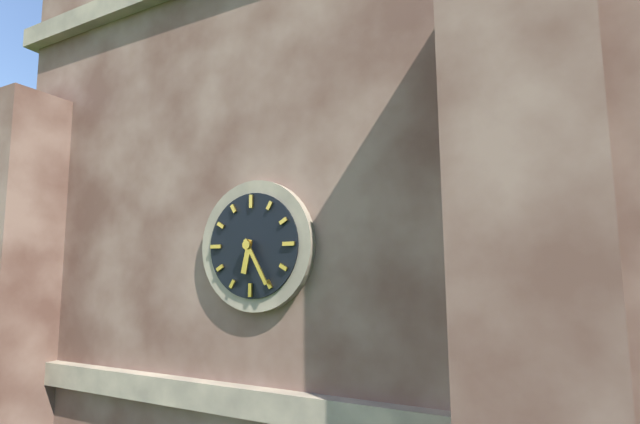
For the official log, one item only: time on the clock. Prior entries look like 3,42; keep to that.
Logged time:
6,25
